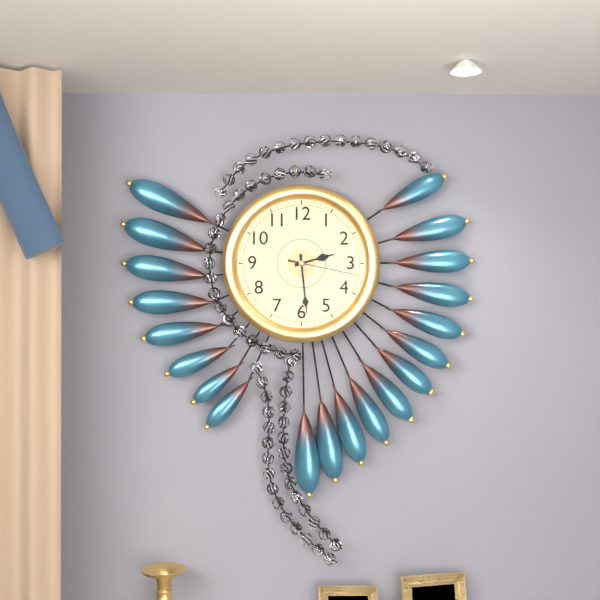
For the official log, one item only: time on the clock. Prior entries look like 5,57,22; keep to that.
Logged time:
2,29,17
